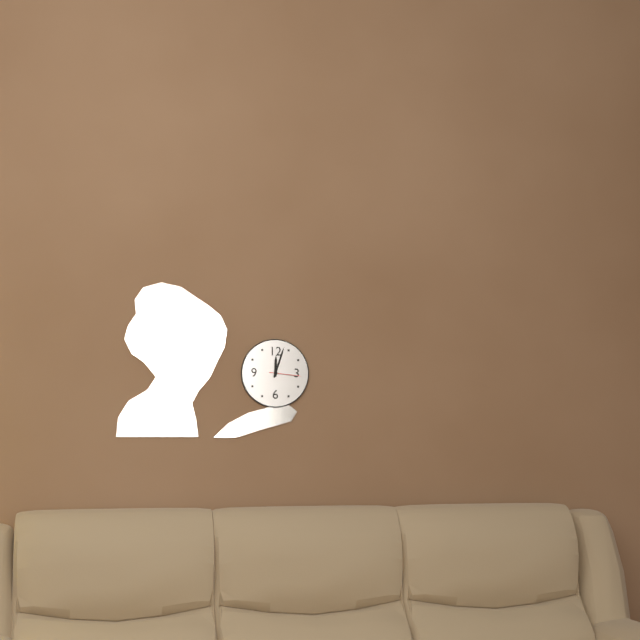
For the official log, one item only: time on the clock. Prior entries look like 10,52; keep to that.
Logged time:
12,03
